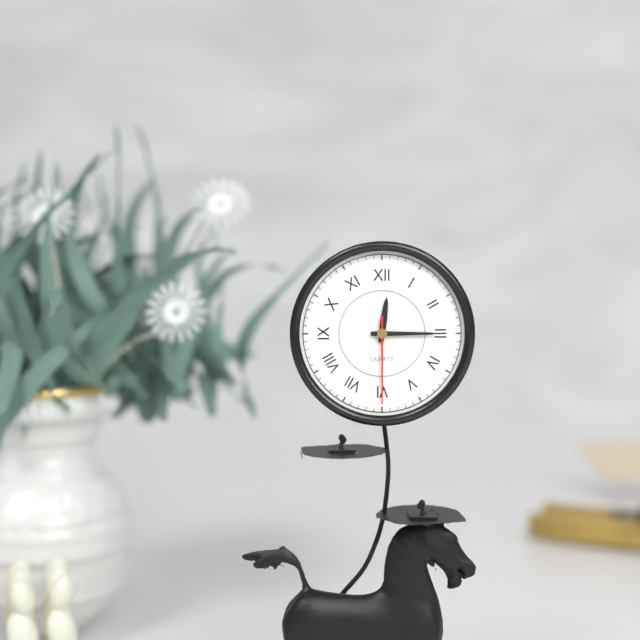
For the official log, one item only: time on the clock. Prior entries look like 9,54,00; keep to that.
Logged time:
12,15,30
